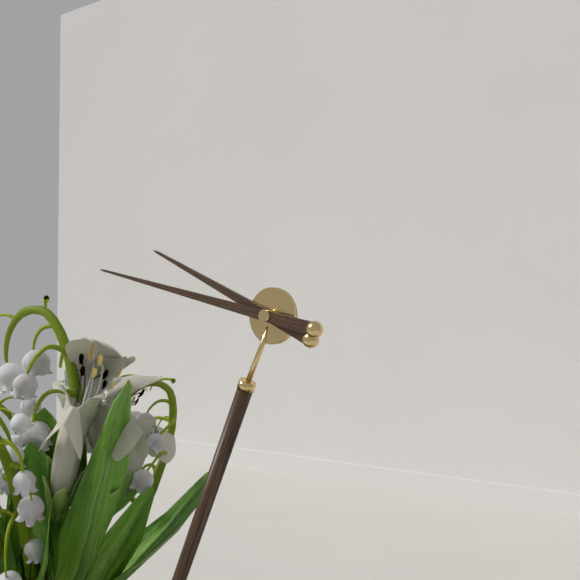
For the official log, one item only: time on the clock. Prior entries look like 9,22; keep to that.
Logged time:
9,47
